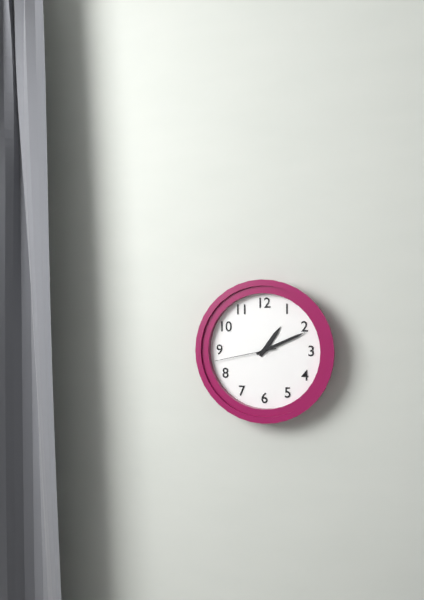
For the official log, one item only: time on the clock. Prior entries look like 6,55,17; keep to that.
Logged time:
1,11,43
